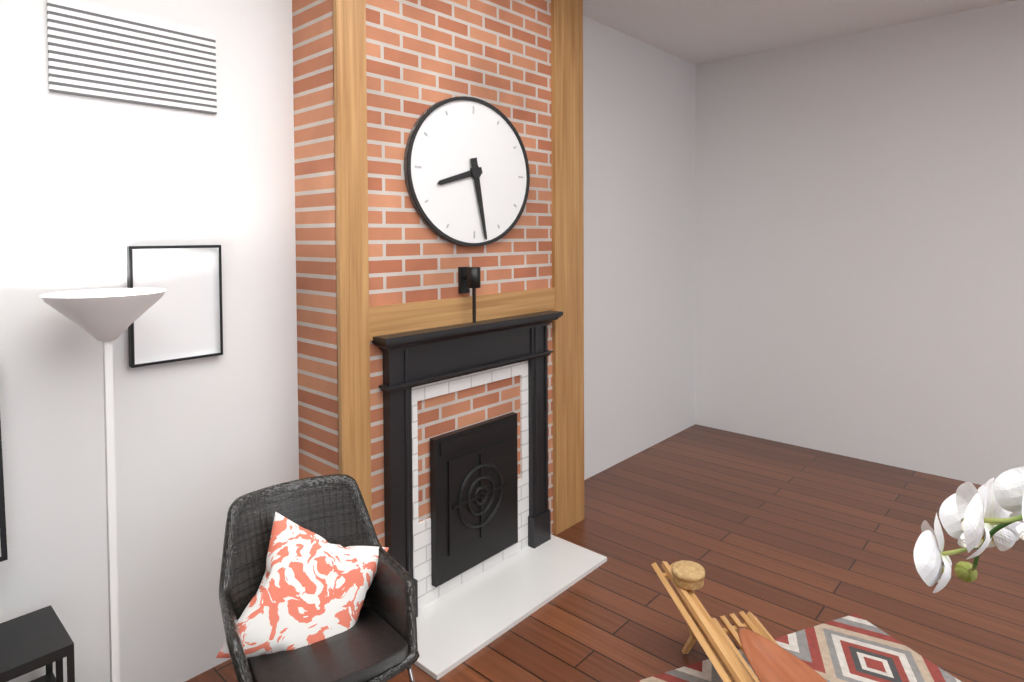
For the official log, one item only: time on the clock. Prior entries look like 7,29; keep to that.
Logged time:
8,28
